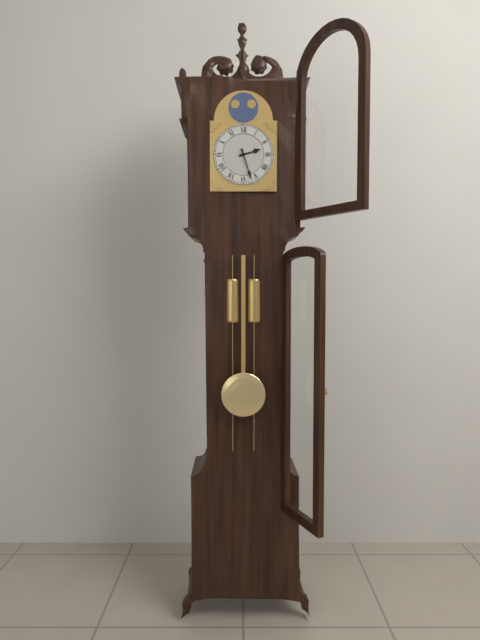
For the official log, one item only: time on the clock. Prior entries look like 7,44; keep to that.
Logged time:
2,27
